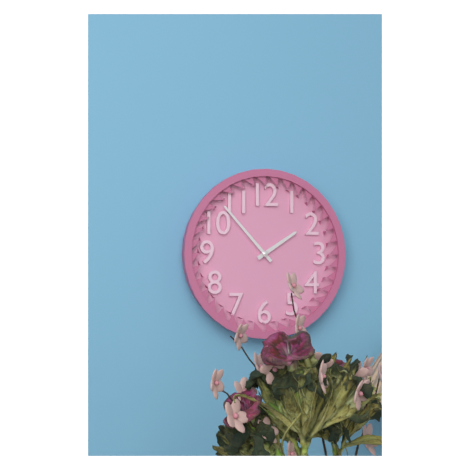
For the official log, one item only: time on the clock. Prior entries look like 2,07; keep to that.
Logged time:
1,53
